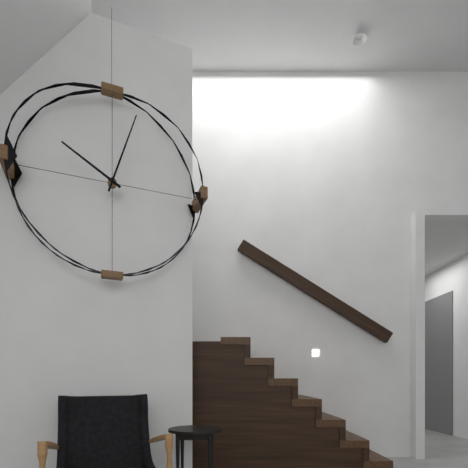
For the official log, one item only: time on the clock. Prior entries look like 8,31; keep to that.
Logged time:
10,03
